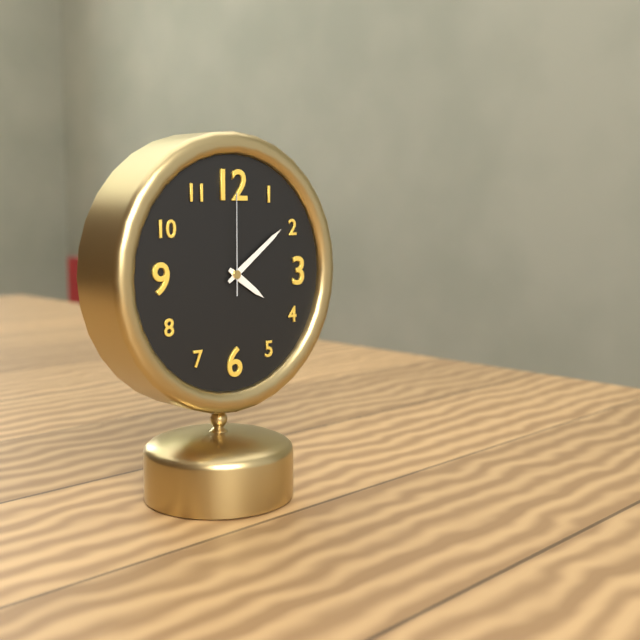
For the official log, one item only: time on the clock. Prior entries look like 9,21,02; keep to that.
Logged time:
4,09,00
